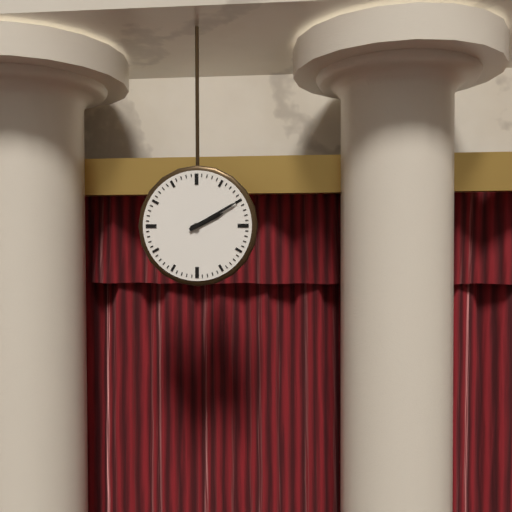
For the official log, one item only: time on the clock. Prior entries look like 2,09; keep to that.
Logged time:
2,10
